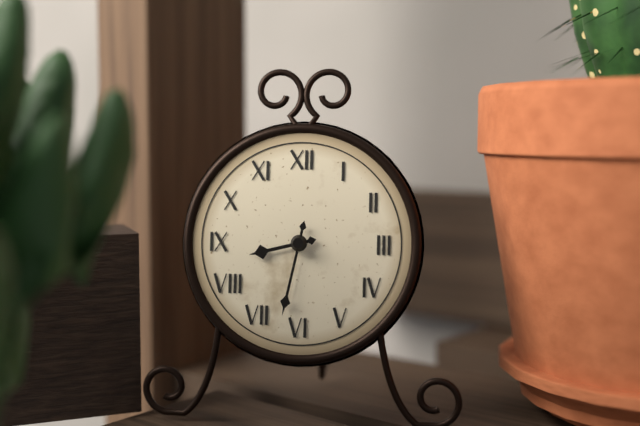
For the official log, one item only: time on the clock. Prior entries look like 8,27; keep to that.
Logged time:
8,32
